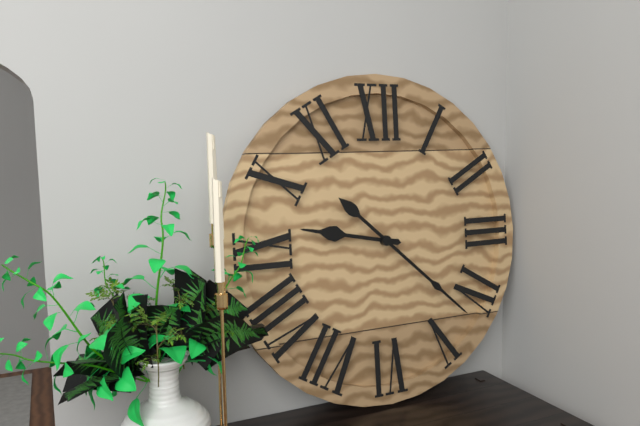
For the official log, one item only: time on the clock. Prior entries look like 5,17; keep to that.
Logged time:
9,22
